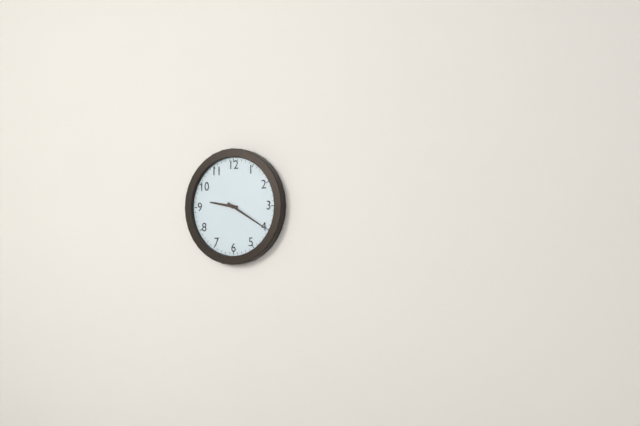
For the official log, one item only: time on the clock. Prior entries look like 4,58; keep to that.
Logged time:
9,20
